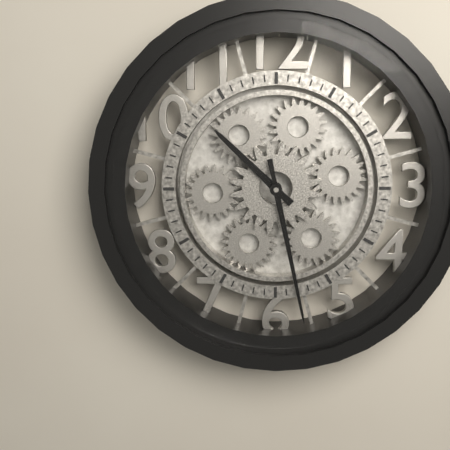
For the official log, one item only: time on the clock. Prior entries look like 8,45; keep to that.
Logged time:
10,28
